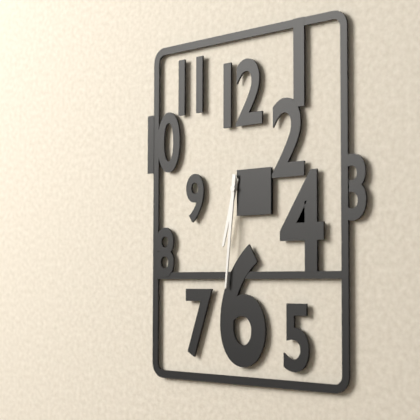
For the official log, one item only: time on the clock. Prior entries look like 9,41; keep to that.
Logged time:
6,31
